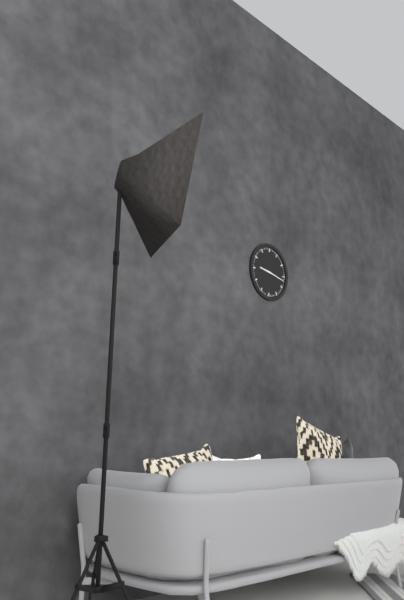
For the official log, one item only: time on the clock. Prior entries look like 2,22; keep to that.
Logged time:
9,17
